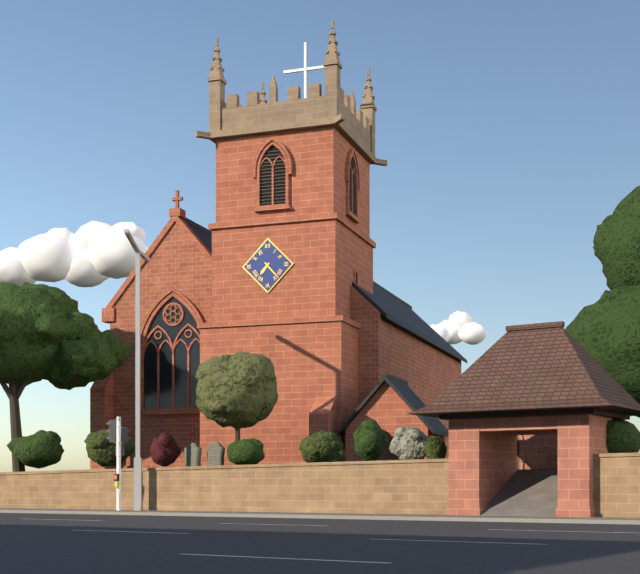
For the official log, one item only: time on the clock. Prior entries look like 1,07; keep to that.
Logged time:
7,23
